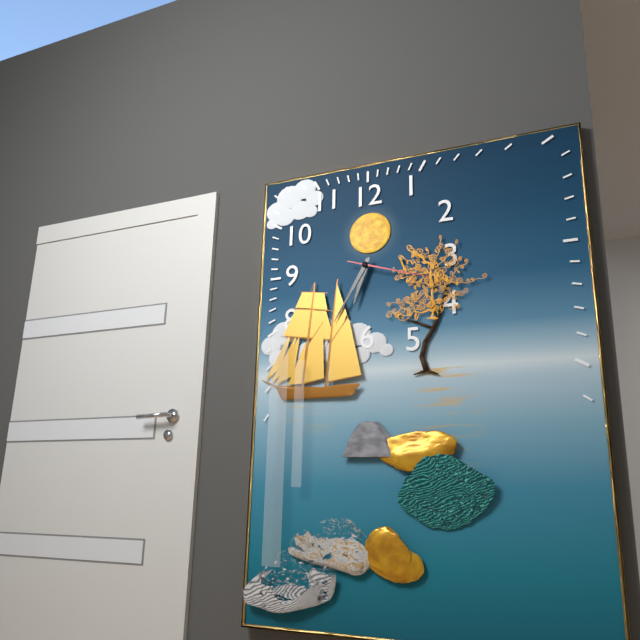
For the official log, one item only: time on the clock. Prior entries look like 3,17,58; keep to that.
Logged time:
6,35,18
